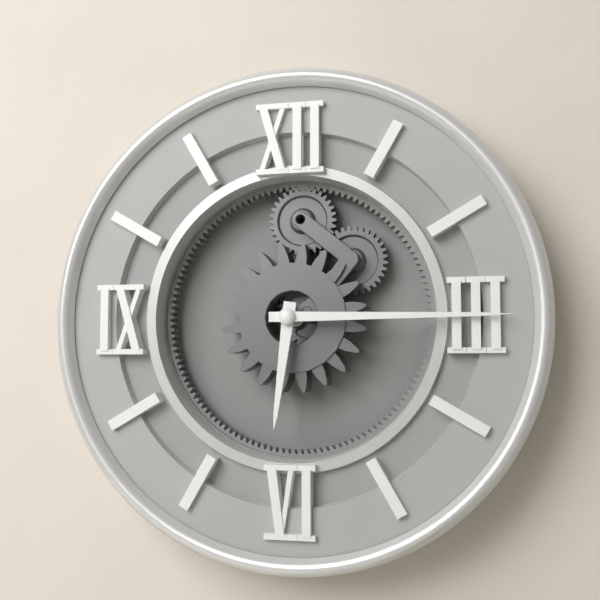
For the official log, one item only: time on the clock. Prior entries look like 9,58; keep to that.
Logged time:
6,15
